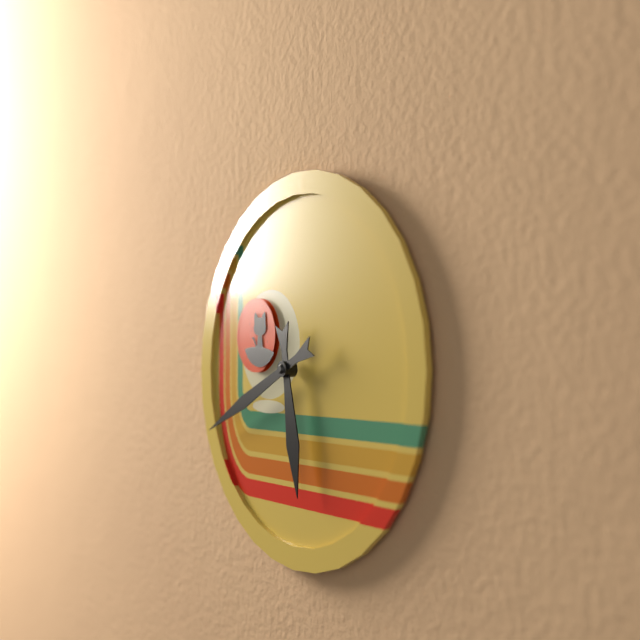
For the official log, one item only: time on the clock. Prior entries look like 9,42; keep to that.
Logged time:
5,41
